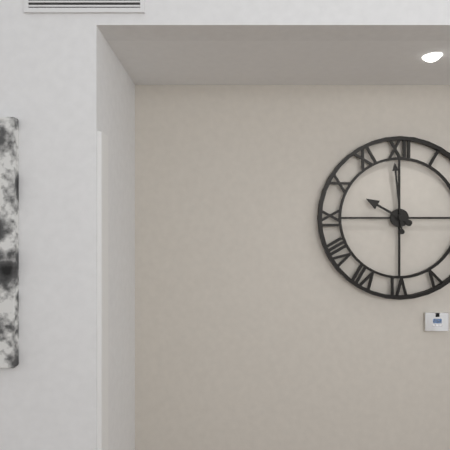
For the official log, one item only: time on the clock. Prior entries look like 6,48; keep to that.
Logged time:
9,59
